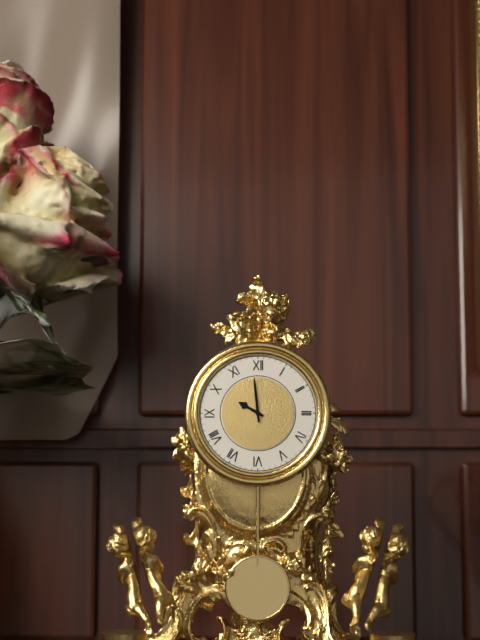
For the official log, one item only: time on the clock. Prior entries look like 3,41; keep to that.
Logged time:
9,59
